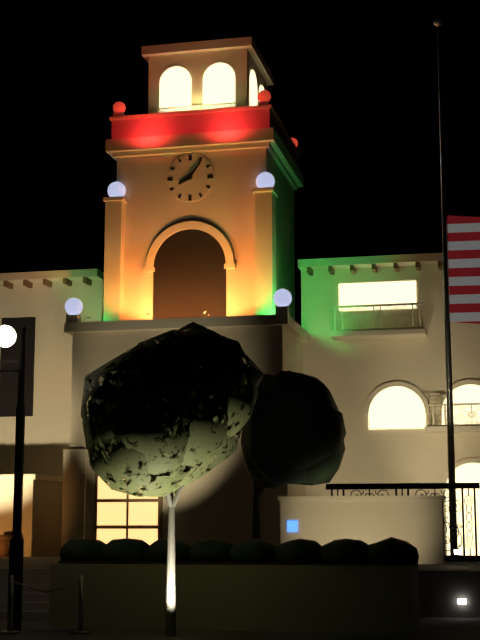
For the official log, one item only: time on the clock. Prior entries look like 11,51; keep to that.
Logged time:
8,06
